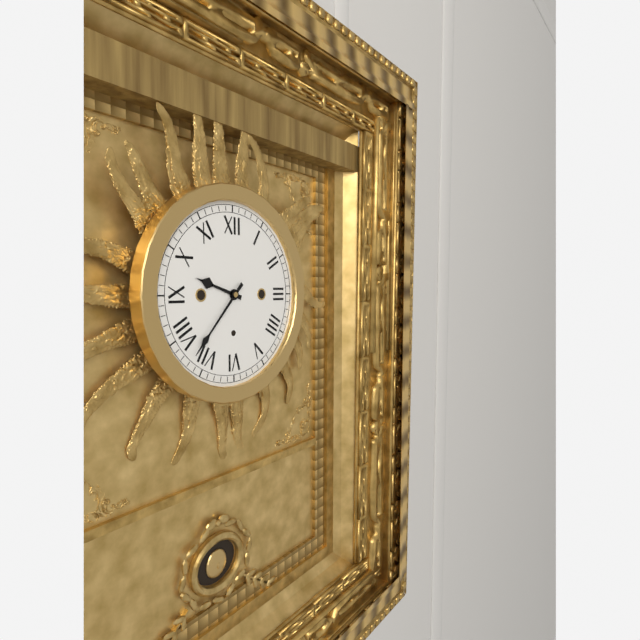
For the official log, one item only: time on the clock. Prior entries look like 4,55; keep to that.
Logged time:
9,37
